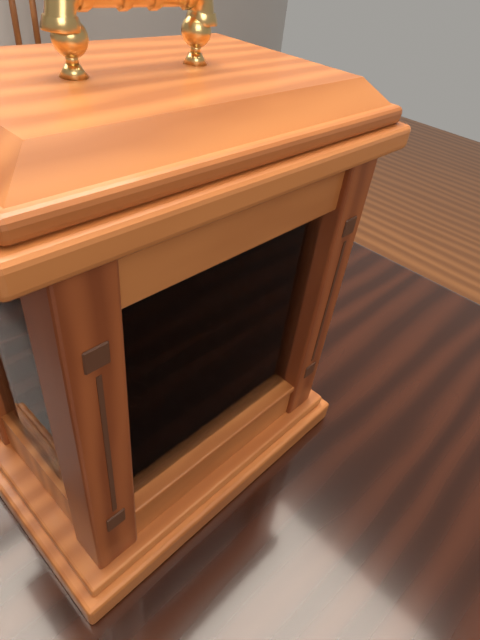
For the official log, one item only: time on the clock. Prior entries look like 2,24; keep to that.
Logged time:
9,24
